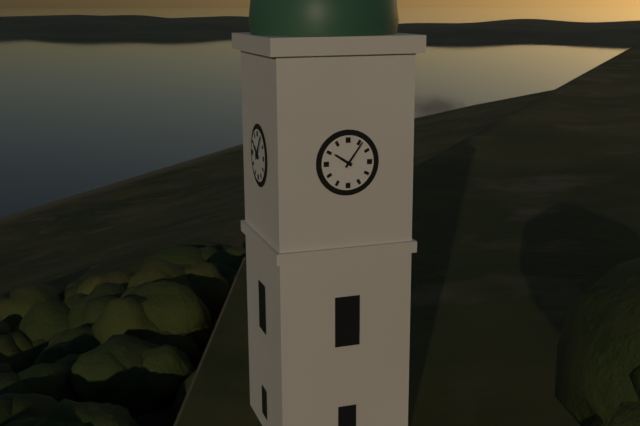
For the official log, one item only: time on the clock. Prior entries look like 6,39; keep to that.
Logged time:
10,06
